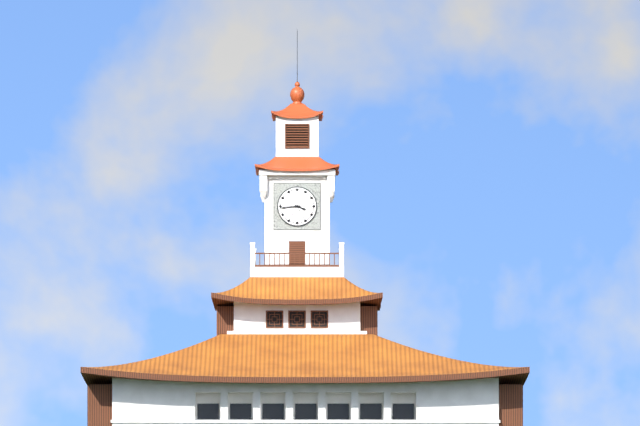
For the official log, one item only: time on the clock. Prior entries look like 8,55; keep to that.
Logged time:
3,44
